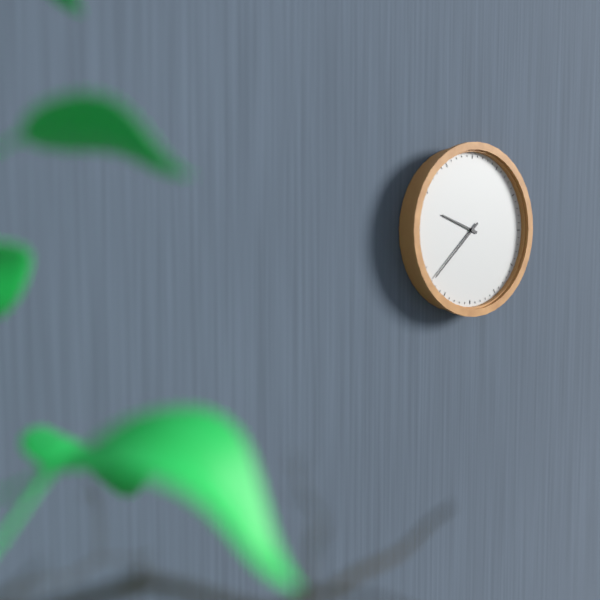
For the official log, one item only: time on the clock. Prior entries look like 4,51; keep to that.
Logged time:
9,38
